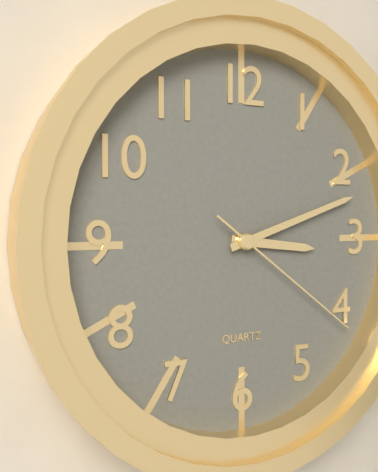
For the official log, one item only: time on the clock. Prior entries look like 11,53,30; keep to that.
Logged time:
3,12,21
